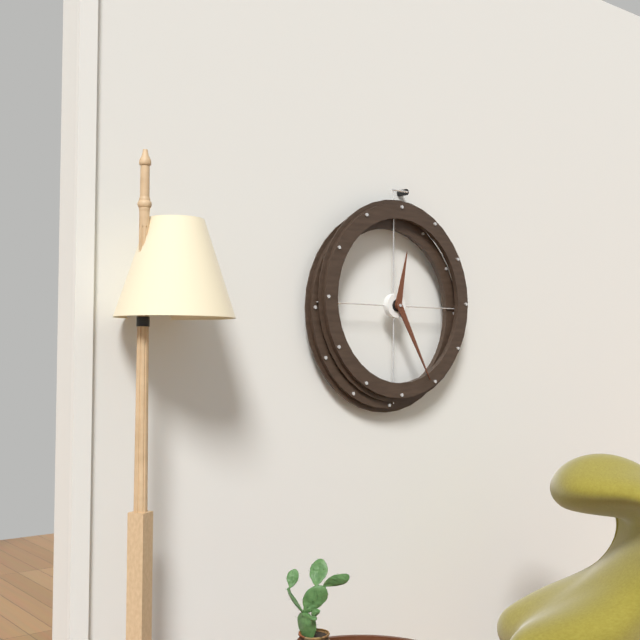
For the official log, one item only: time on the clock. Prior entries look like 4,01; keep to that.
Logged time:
12,25
